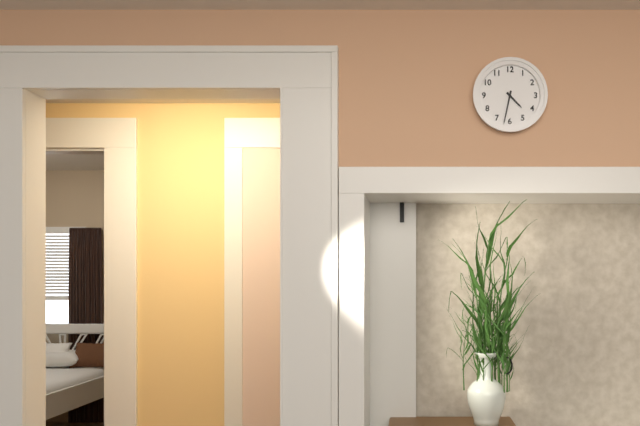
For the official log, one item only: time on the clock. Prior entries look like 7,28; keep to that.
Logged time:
4,32
